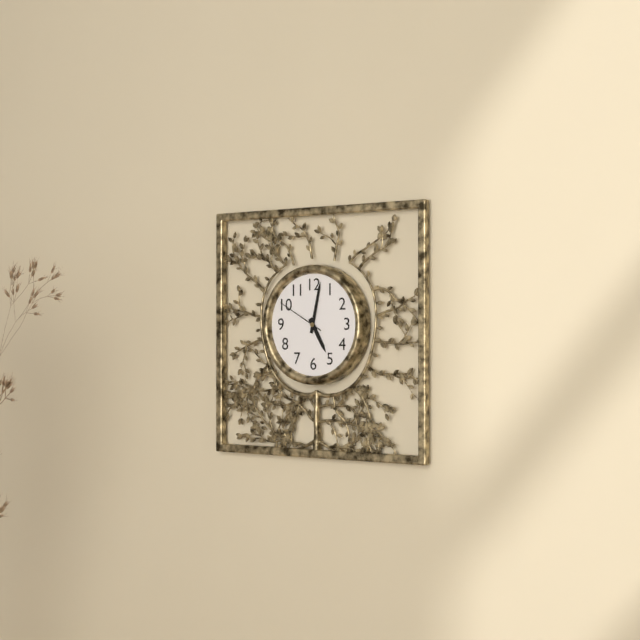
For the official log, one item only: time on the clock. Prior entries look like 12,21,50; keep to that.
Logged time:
5,02,50
